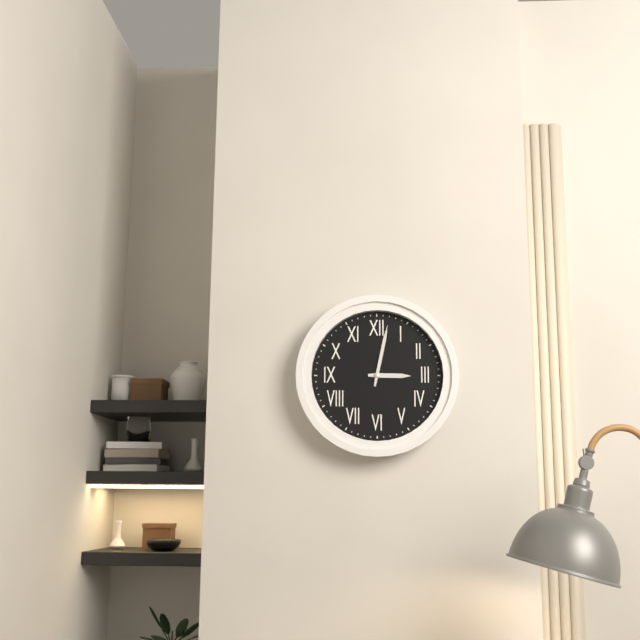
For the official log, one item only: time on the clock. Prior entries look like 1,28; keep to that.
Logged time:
3,02
